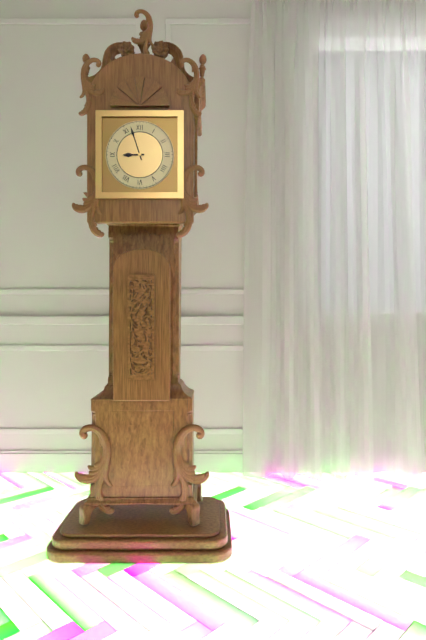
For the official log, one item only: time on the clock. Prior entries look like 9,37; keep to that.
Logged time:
8,57
